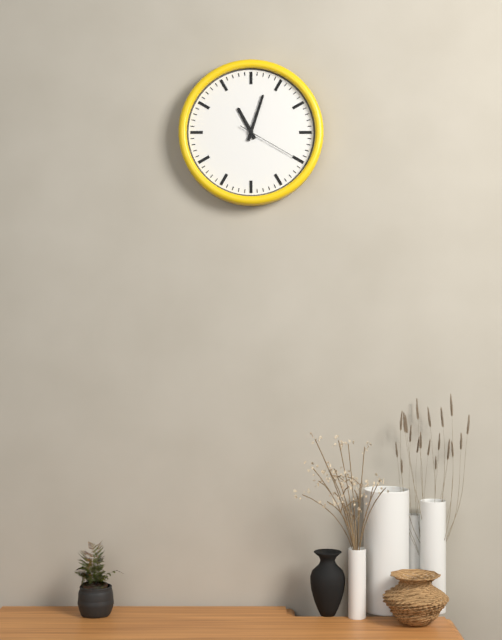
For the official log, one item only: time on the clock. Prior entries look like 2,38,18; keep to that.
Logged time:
11,03,20
